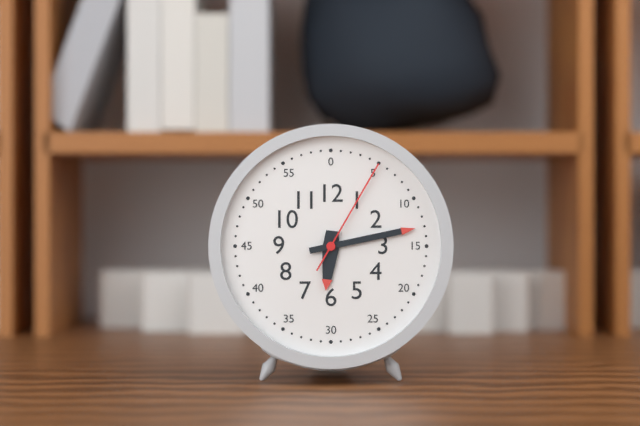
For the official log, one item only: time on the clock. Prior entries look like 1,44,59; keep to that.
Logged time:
6,13,05
